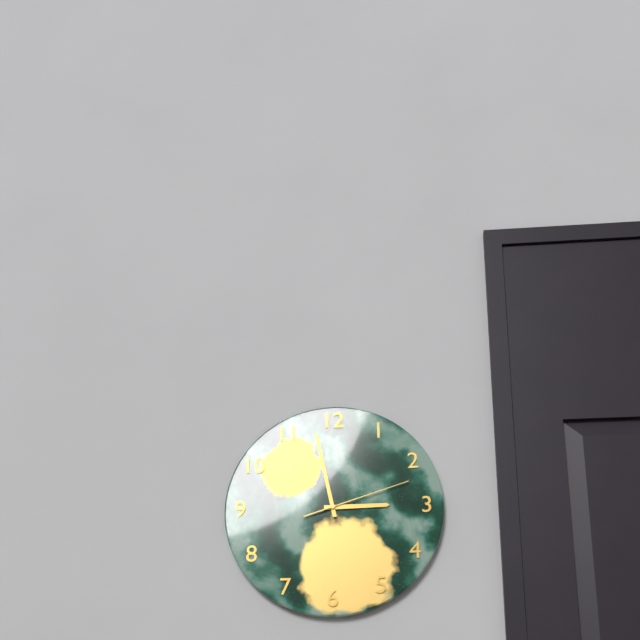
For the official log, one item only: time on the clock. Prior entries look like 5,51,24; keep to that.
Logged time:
2,58,12
